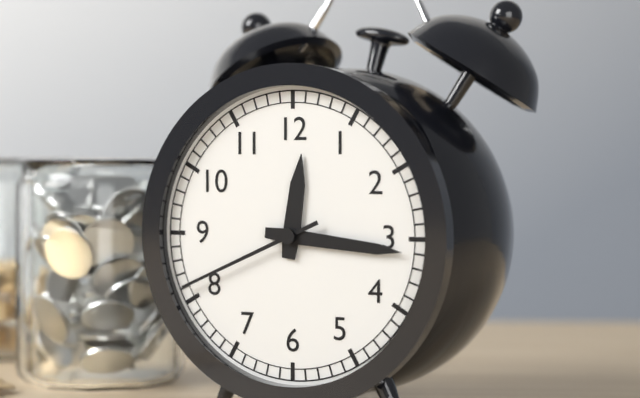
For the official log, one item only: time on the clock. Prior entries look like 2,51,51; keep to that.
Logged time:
12,16,41
